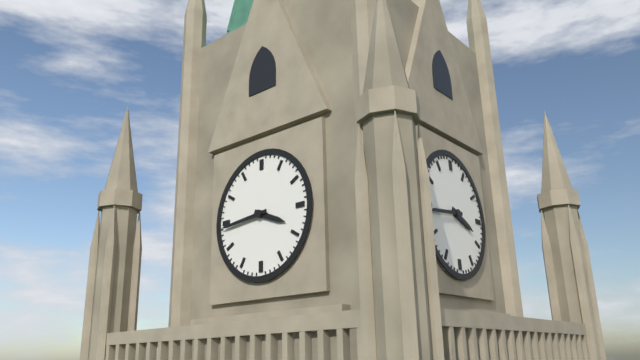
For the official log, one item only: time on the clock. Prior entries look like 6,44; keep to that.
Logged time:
3,44
